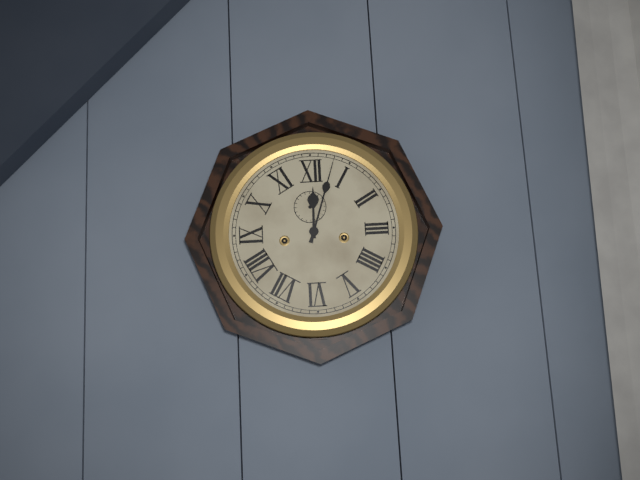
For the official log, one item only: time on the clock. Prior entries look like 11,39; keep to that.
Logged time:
12,03
